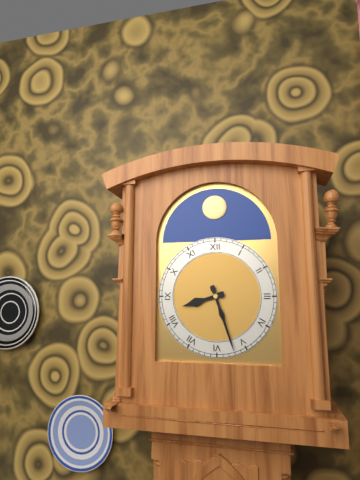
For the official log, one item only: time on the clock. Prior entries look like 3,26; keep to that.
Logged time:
8,27
